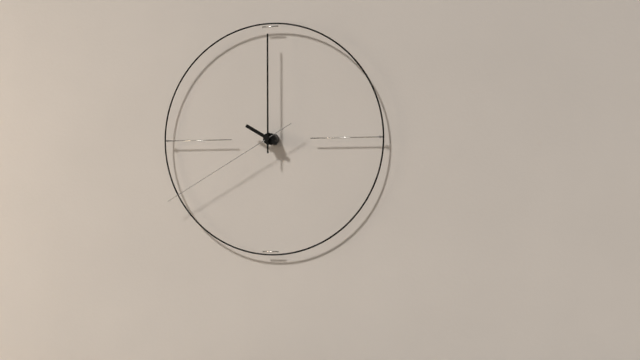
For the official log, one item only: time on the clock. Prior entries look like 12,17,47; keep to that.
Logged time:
10,00,40
